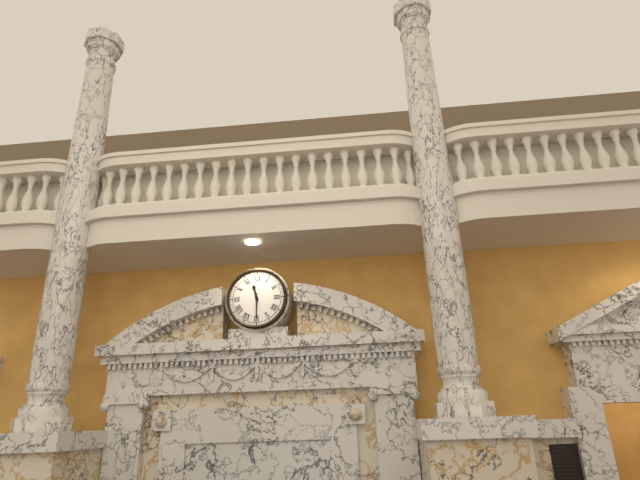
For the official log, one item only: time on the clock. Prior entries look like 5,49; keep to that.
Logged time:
11,30
